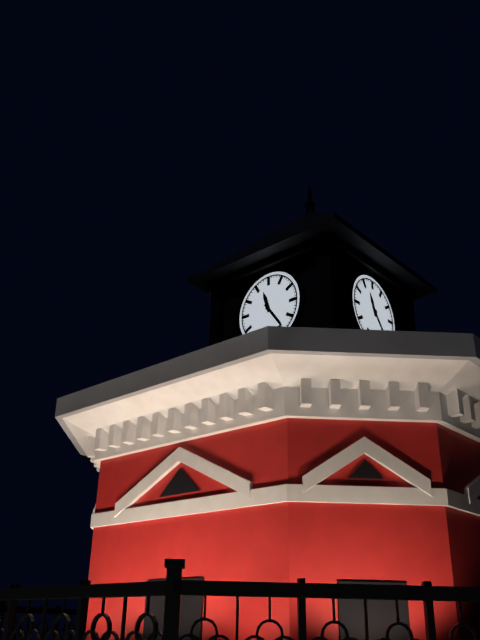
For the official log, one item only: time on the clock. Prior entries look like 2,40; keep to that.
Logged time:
11,24
